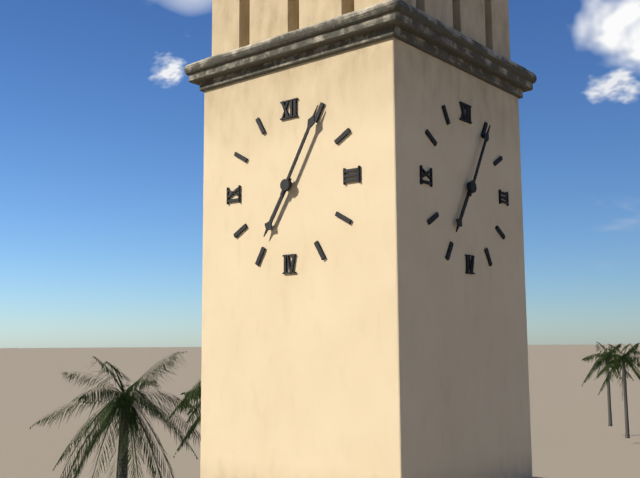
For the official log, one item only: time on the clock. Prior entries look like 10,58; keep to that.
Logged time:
7,05
